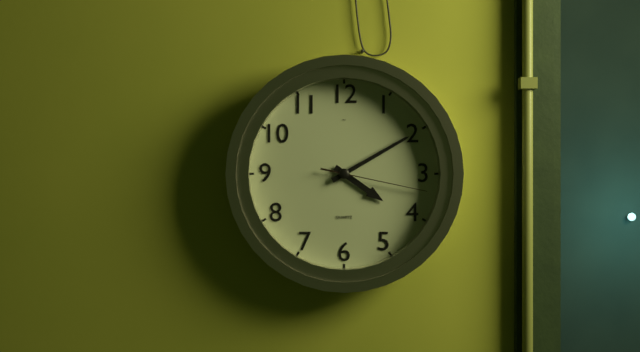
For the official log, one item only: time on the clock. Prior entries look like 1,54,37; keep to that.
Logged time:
4,10,17
